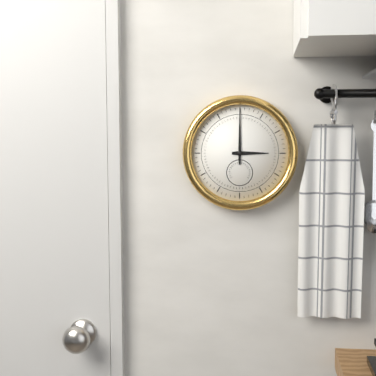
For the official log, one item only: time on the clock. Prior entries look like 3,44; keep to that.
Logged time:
3,00
